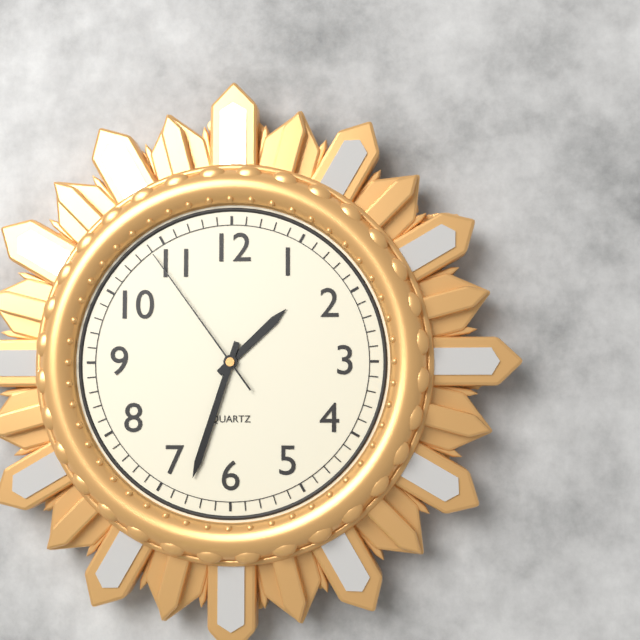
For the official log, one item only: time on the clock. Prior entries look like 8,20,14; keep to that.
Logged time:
1,33,54
